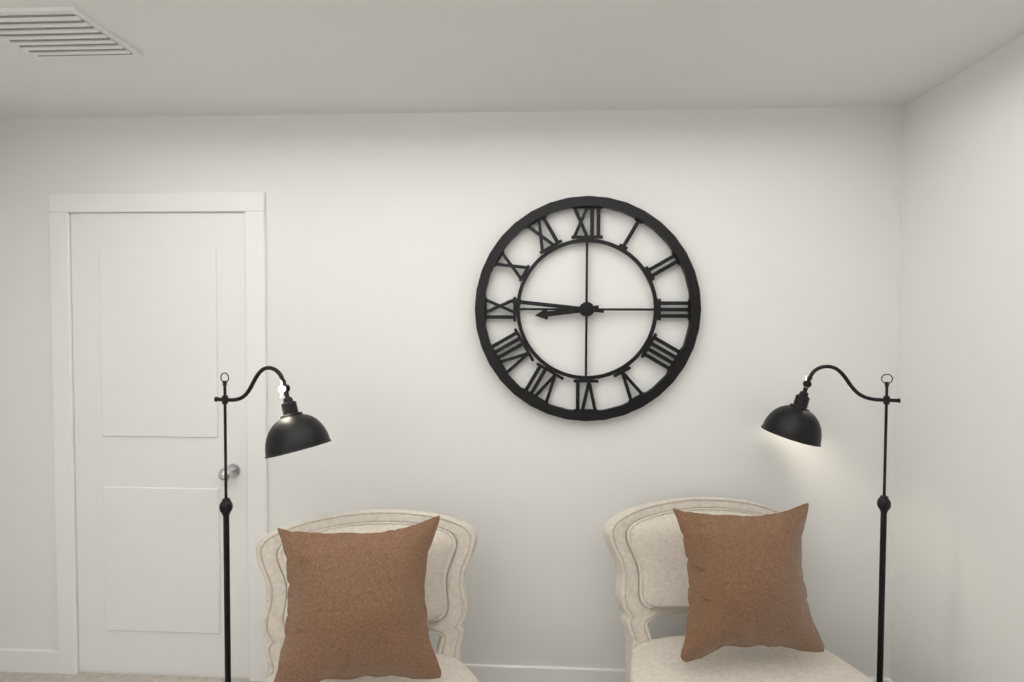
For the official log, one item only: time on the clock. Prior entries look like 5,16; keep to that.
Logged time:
8,46
